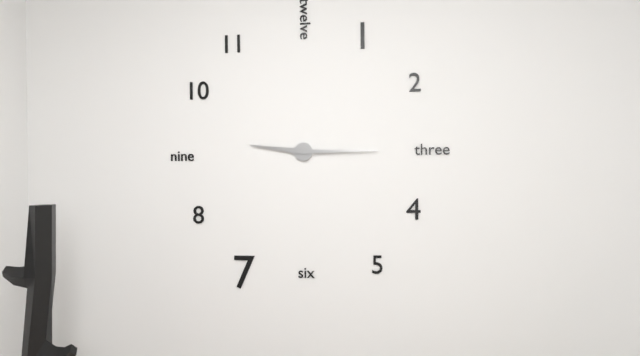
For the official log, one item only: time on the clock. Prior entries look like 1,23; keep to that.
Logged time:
9,15
